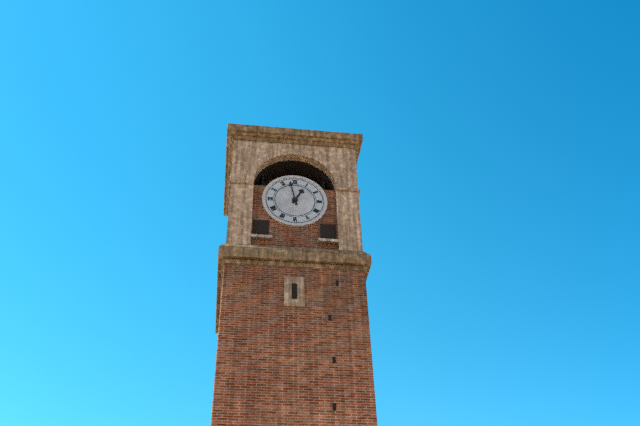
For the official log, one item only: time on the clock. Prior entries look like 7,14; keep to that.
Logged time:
12,58
